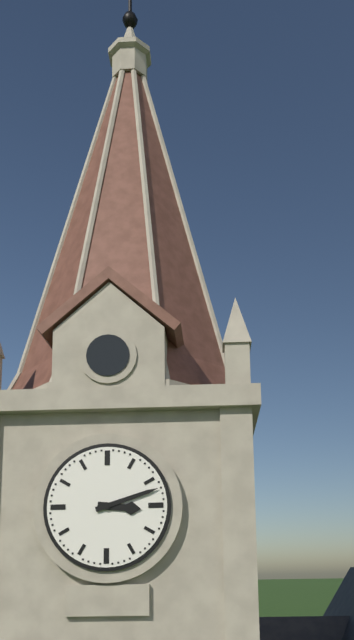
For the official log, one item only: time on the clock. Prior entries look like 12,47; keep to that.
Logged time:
3,12
